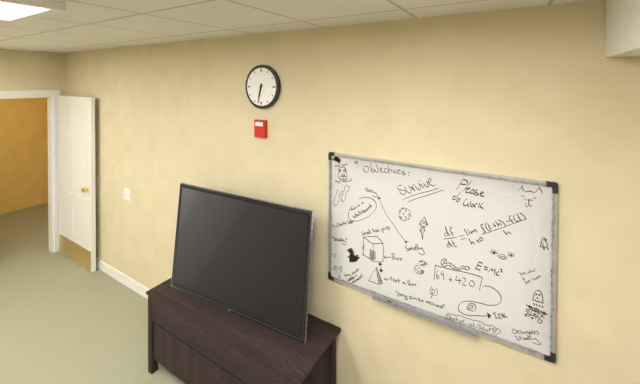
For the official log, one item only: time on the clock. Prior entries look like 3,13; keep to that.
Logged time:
6,32
